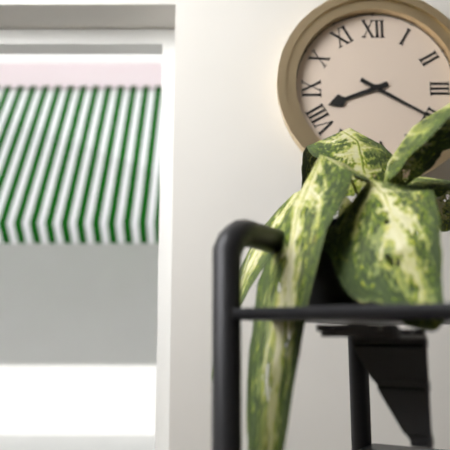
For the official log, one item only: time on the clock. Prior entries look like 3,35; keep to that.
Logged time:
8,20
